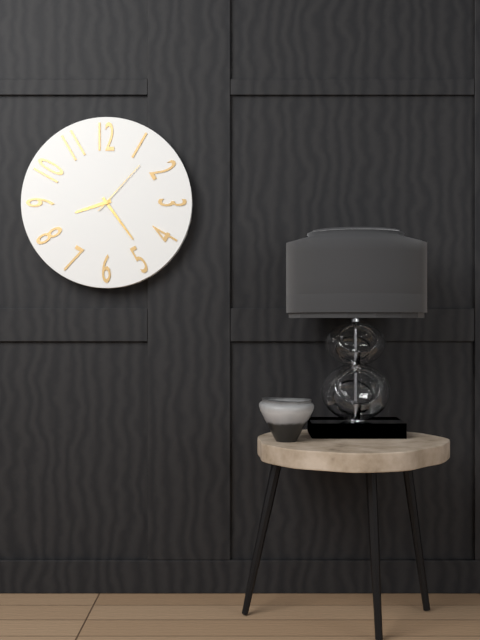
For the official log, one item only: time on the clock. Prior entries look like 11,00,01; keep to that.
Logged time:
8,24,07
